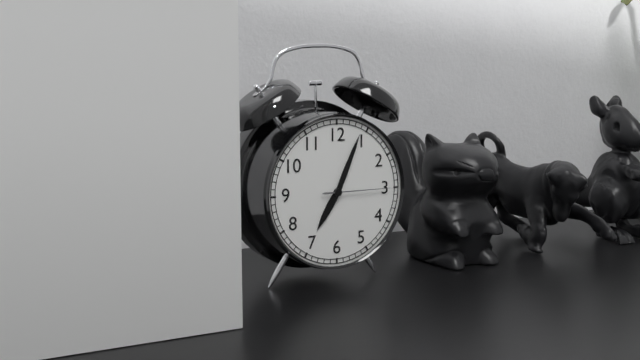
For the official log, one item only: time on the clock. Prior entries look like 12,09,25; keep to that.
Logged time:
7,04,15
